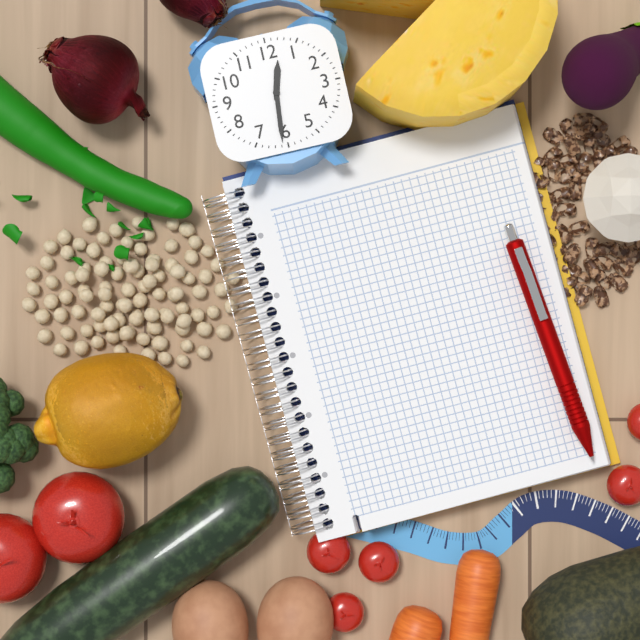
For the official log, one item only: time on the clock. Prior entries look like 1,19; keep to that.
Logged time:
12,31
